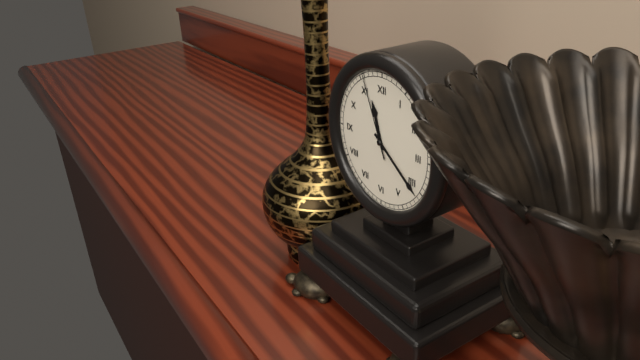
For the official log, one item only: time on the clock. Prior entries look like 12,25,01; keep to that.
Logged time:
11,21,56
